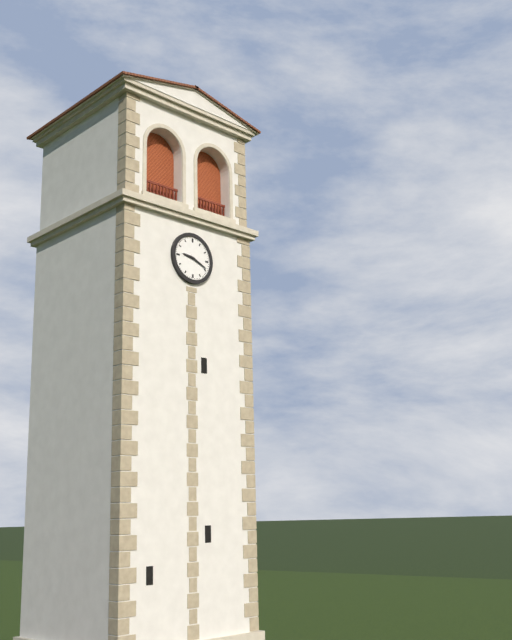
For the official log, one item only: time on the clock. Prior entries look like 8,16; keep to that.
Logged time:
9,19
